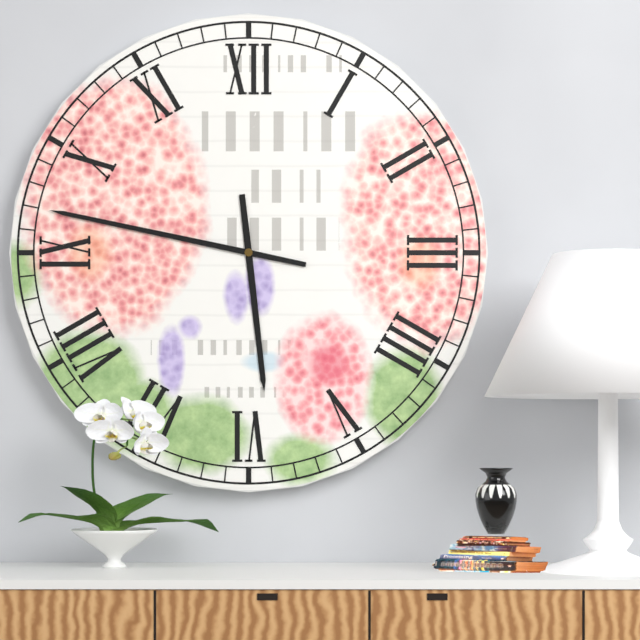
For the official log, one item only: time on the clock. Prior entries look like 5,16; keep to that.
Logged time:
5,47
